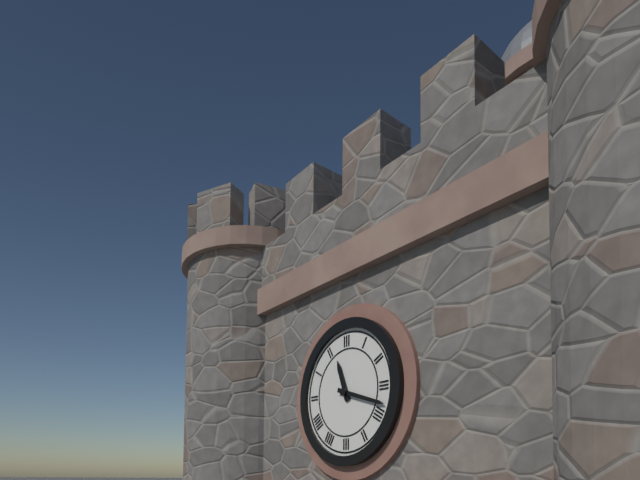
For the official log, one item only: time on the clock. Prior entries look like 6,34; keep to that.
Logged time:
11,18
